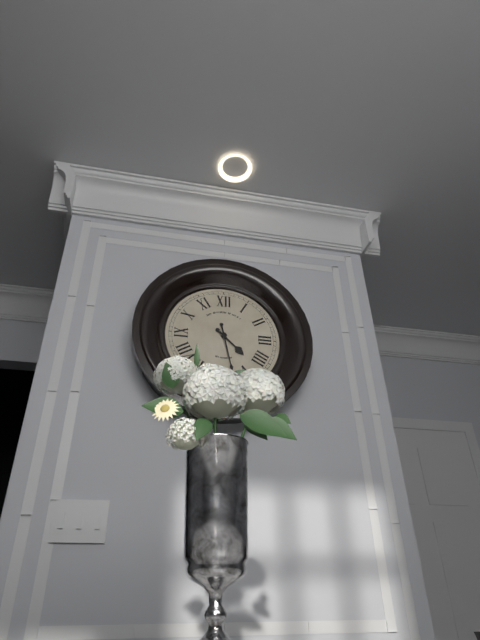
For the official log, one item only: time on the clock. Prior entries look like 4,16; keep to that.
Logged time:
4,28
